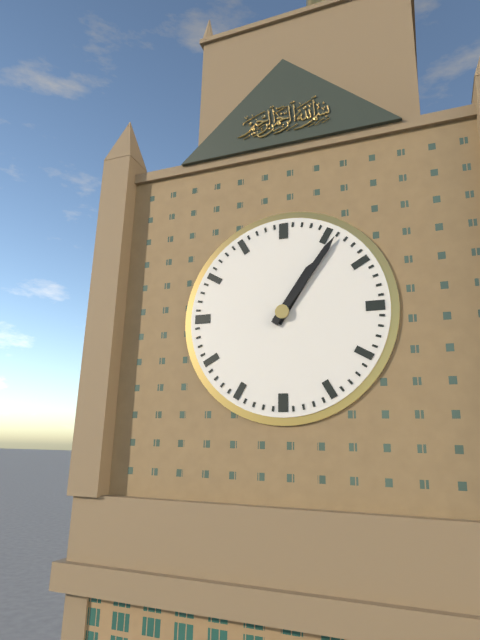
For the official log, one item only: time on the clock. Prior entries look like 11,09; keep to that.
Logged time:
1,06
